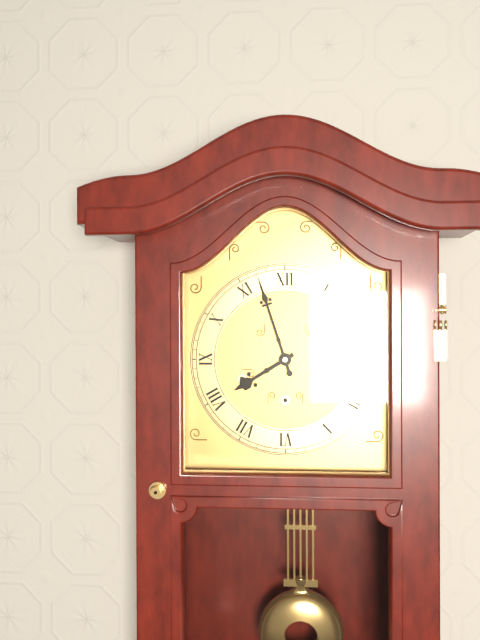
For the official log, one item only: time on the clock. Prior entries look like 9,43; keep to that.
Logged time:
7,57
